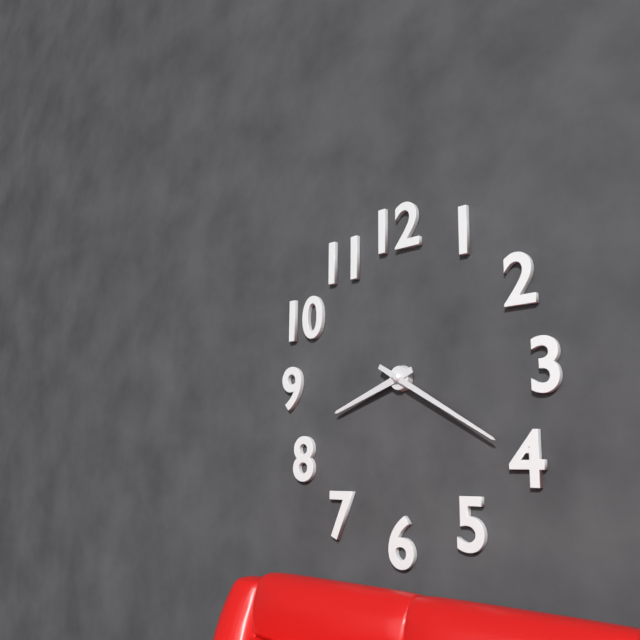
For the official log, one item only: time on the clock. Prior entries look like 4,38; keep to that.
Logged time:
8,20
